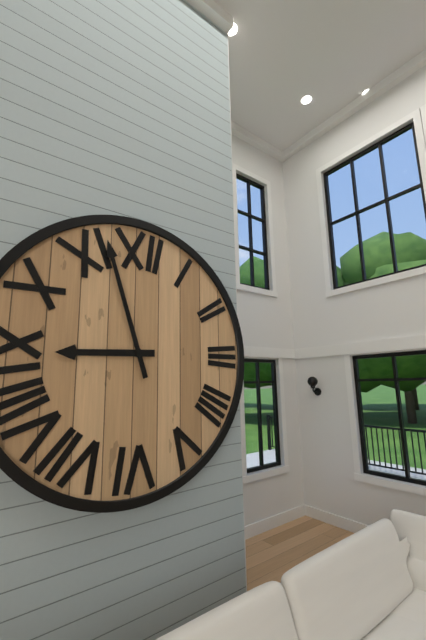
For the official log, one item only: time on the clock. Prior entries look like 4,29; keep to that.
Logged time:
8,57
